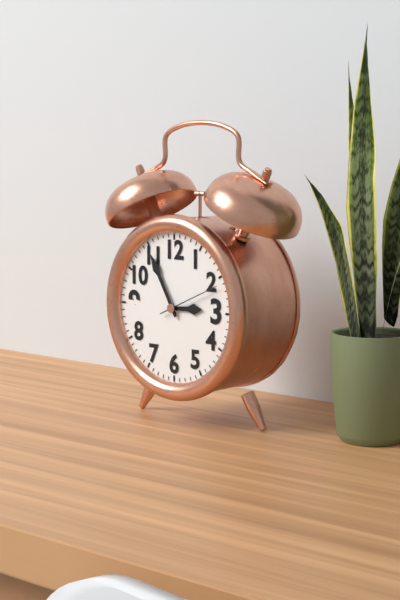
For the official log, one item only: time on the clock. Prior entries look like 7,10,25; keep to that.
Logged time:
2,55,11
